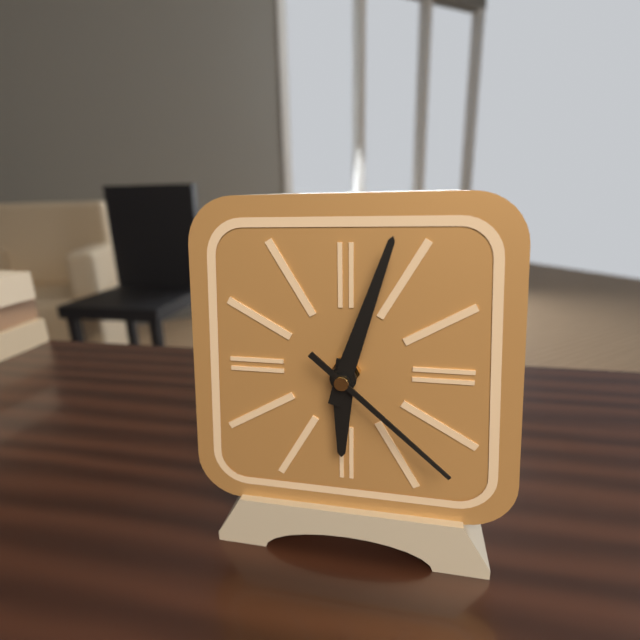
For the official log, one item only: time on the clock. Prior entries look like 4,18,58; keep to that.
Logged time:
6,03,22
